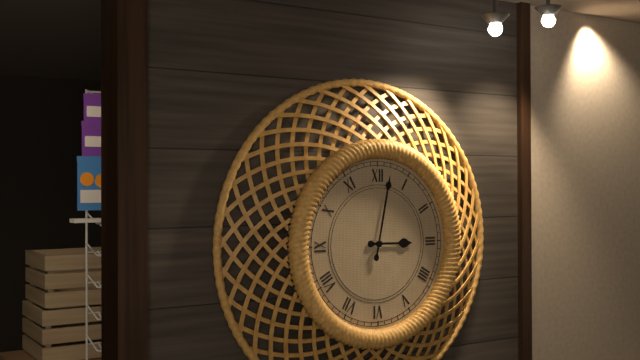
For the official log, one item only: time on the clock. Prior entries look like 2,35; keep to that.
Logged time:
3,02
